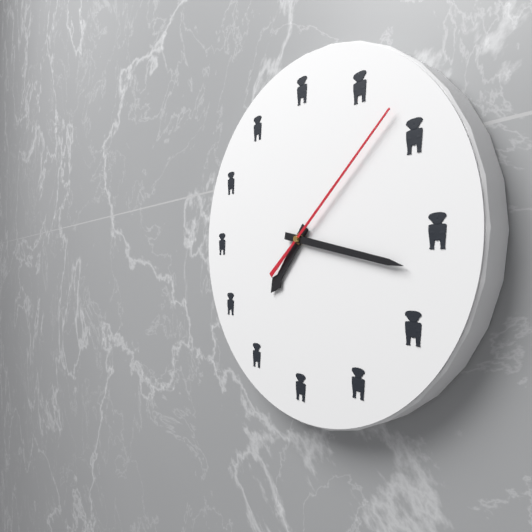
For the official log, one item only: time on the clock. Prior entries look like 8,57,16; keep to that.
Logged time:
7,17,08
